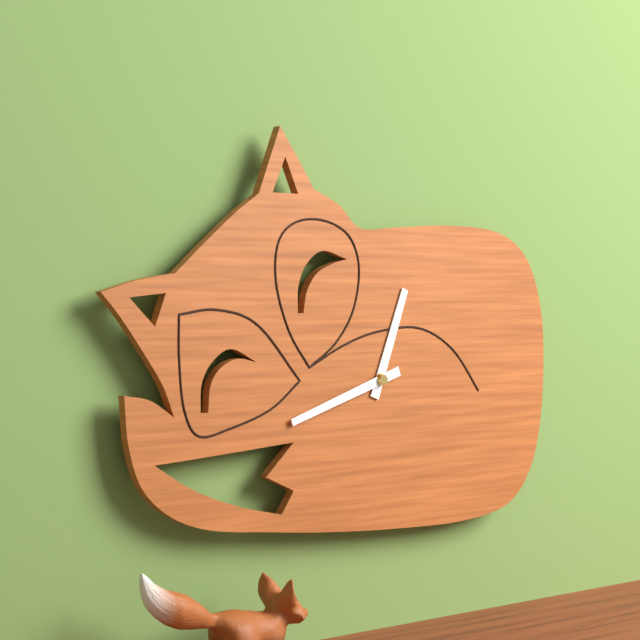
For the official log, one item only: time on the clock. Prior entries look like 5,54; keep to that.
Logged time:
12,42
